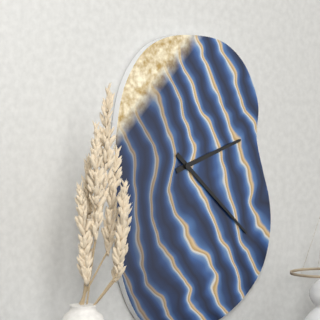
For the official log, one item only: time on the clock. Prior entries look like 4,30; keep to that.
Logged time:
2,22
